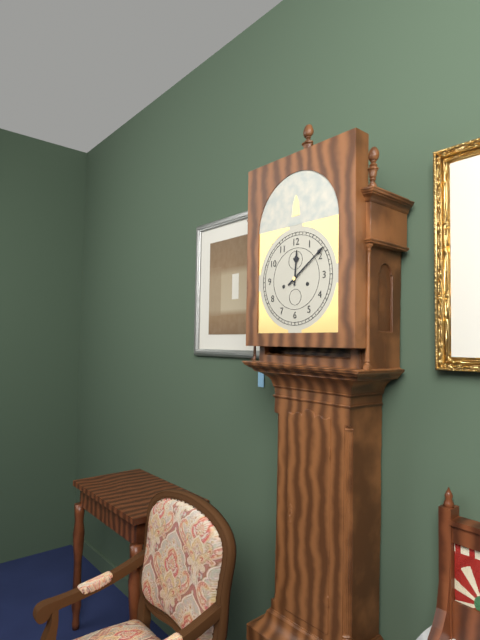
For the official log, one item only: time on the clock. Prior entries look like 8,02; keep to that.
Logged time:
12,09
